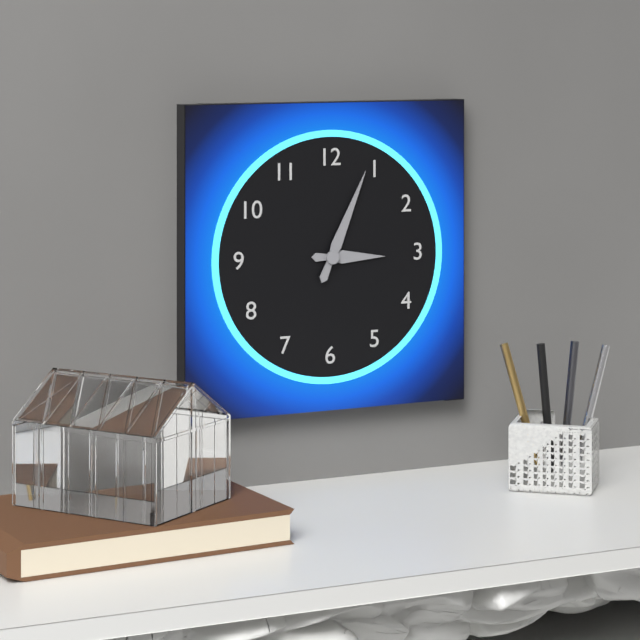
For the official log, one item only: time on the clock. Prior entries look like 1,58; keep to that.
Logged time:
3,04
